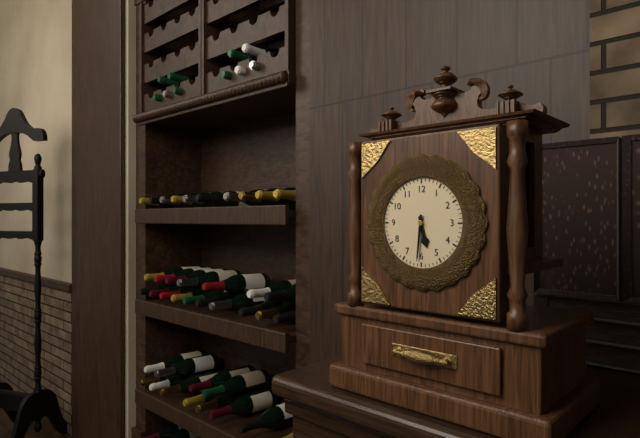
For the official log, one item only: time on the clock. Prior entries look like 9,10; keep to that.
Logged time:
5,31
